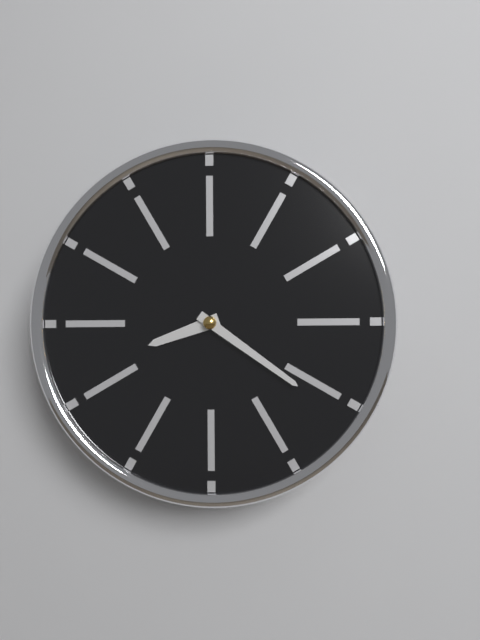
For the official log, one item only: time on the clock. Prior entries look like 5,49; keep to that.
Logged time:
8,21
